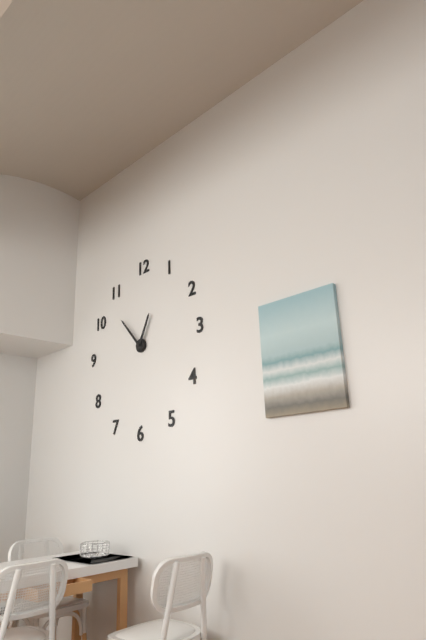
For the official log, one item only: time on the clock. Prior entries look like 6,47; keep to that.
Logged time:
12,53
